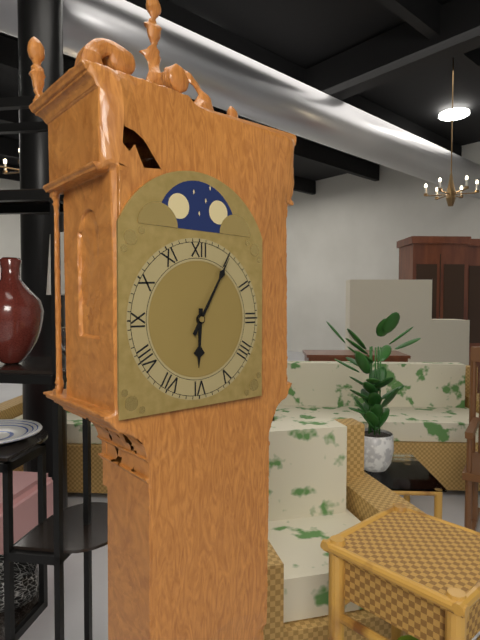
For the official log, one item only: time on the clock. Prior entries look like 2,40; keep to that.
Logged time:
6,05
